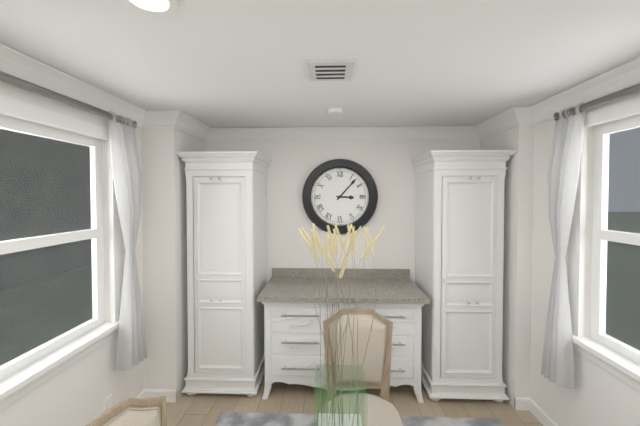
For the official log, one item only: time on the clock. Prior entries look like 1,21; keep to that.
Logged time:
3,07
